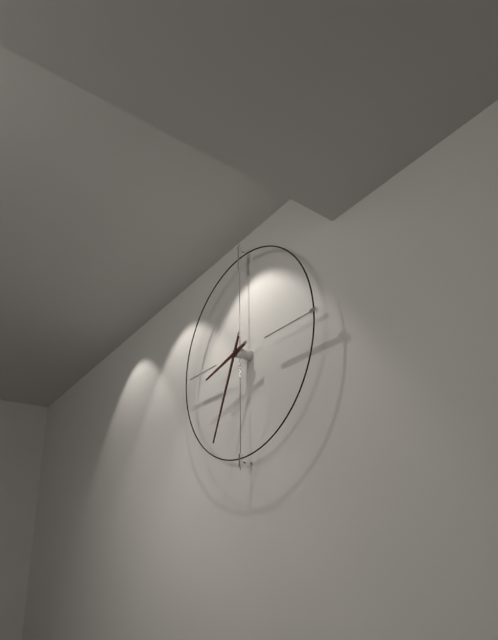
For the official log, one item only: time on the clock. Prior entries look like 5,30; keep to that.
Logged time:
8,34
